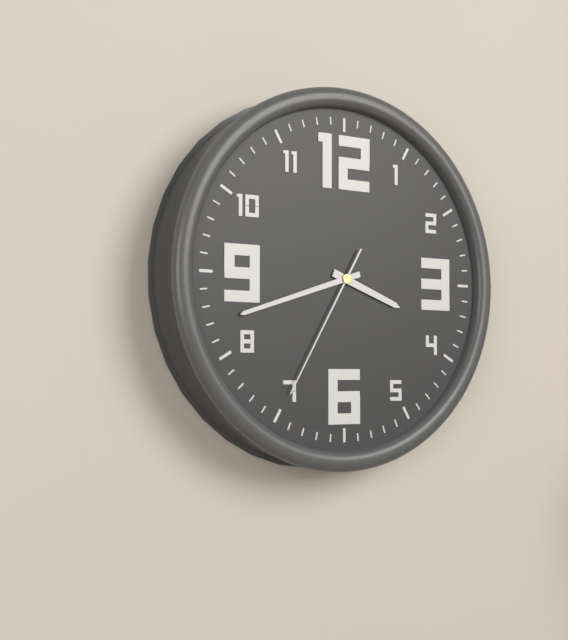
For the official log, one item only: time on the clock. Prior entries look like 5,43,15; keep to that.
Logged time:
3,42,35
